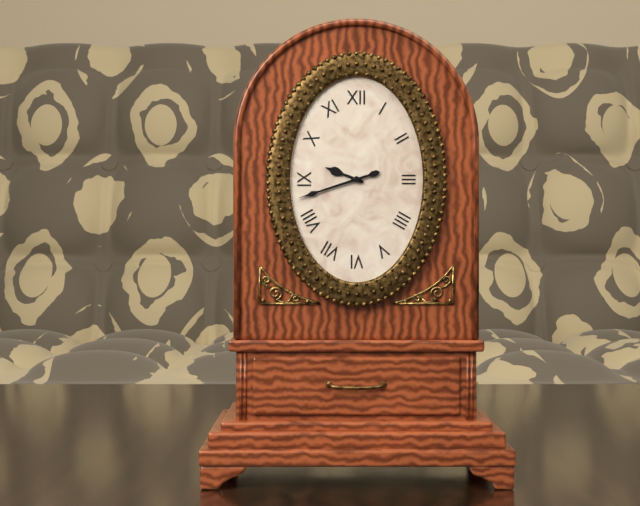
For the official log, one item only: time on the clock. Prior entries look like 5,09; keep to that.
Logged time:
9,42
